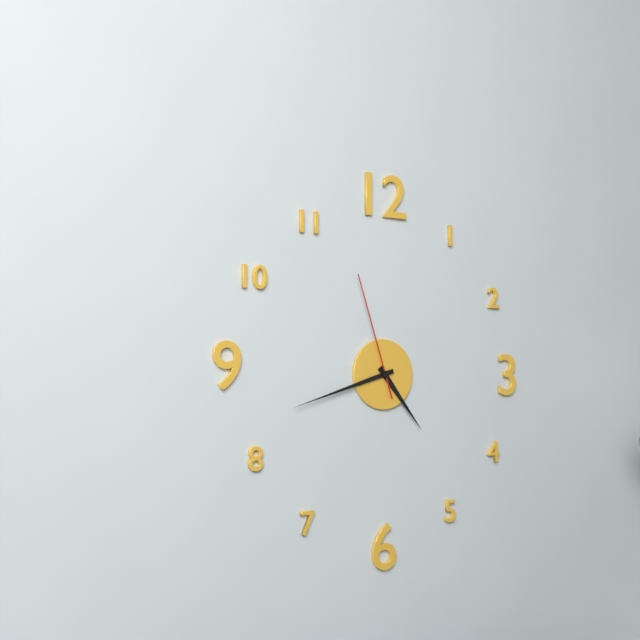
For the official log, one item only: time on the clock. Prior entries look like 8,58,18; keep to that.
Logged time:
4,42,57
